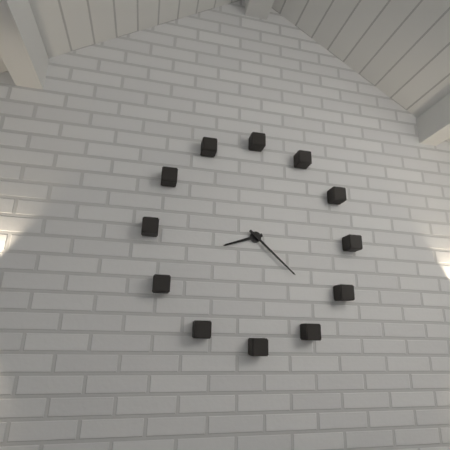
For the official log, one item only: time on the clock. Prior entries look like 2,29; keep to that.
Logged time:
8,22
